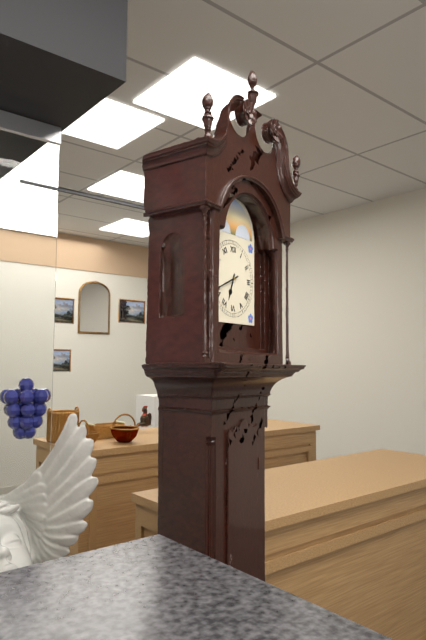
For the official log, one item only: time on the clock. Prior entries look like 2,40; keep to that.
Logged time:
6,41
